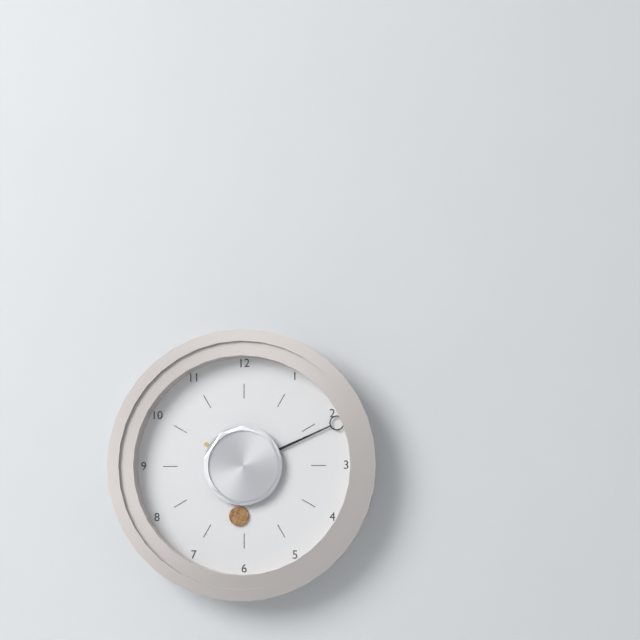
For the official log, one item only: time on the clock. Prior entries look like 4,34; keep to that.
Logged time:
6,11
